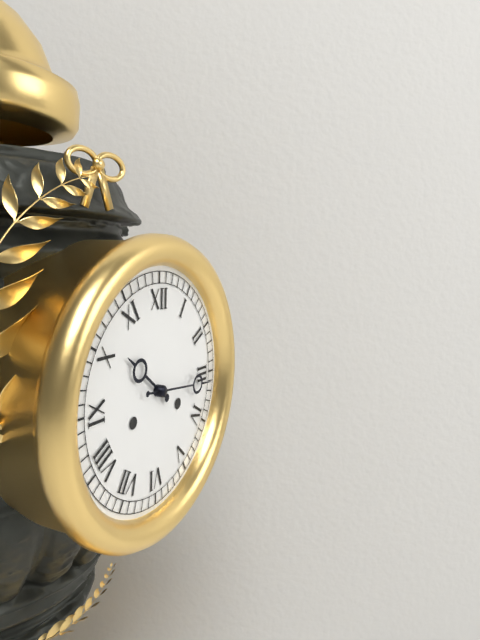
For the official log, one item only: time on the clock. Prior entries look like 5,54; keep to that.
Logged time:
10,16
